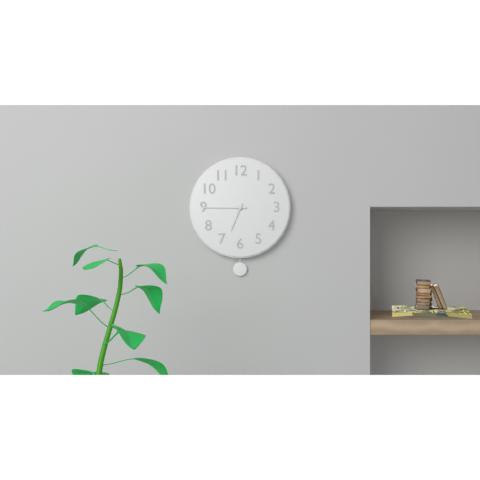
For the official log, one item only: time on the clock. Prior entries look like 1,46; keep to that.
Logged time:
6,45
